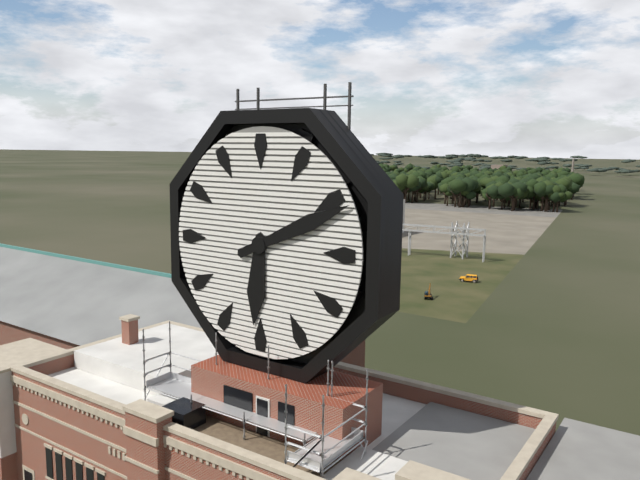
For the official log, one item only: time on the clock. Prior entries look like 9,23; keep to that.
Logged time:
6,11
